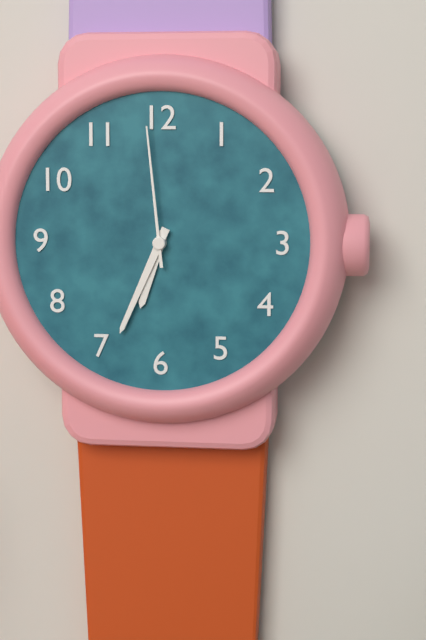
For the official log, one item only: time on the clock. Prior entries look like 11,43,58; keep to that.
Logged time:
6,34,59
